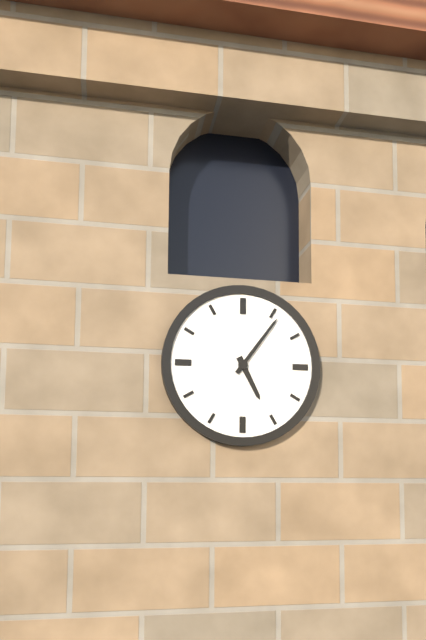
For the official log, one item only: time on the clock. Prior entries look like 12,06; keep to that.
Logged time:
5,06
